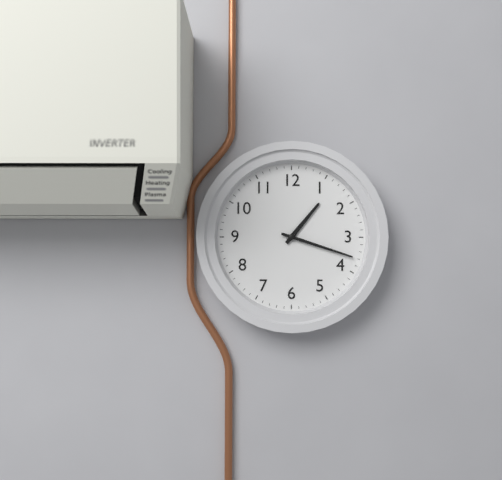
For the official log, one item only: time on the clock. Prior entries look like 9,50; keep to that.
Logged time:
1,18
